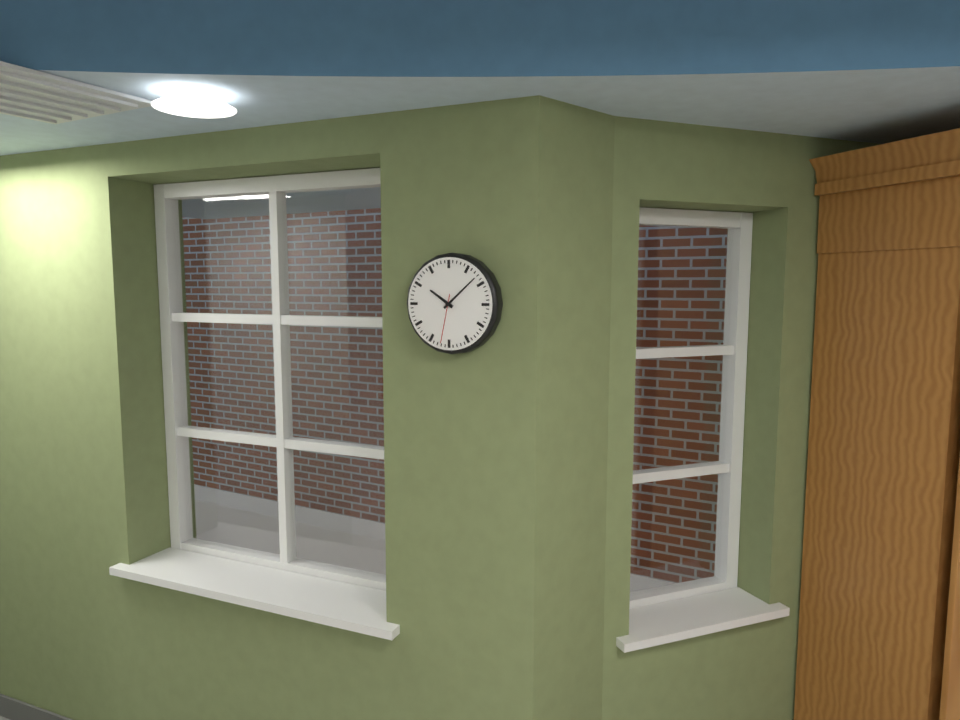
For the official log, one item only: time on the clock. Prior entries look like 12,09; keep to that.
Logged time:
10,08
